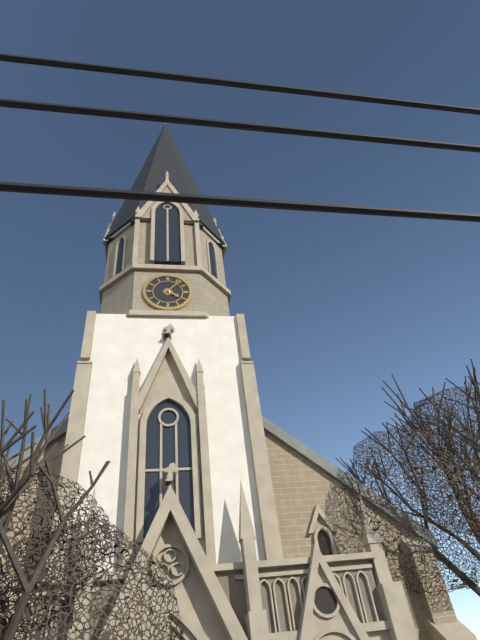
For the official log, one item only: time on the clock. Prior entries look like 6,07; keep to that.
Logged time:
4,07
